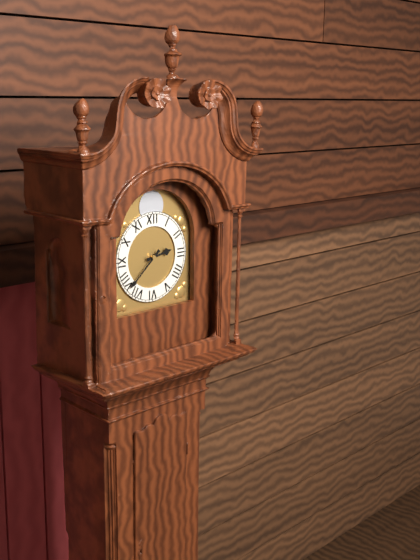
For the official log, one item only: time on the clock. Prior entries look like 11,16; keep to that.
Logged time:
2,38
